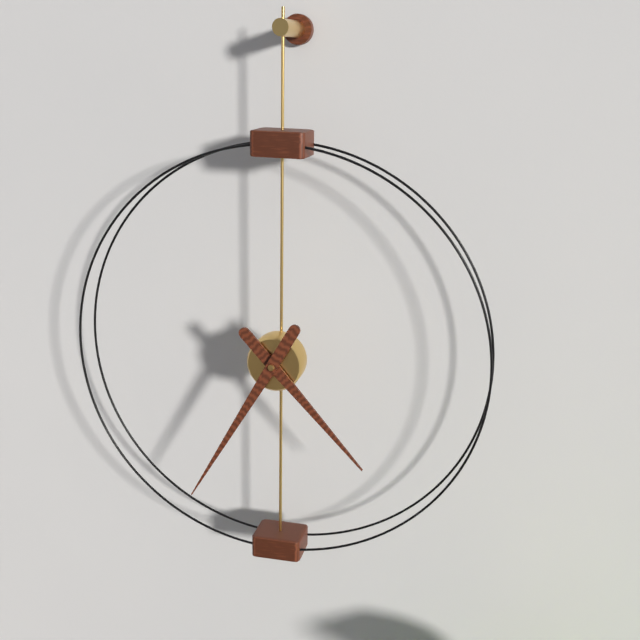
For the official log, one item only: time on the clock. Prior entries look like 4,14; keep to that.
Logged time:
4,35
